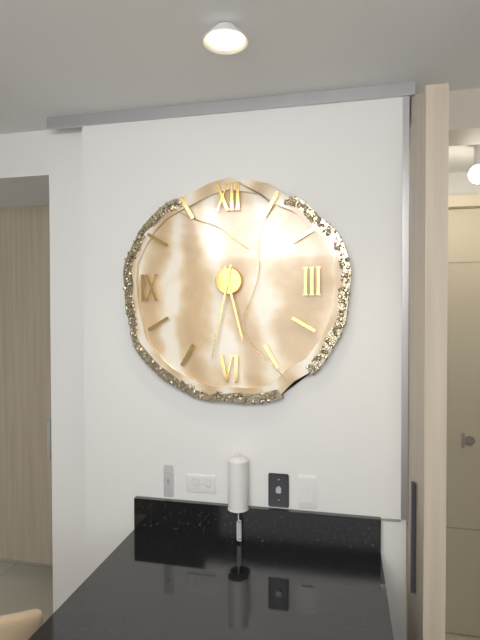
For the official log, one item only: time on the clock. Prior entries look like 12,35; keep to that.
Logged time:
5,32
